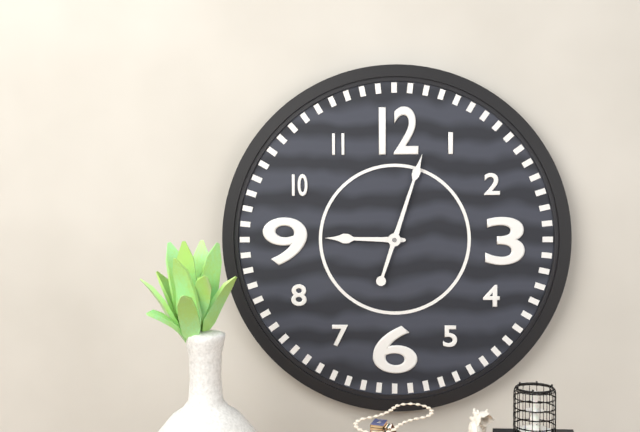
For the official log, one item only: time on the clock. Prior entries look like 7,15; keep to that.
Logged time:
9,03
